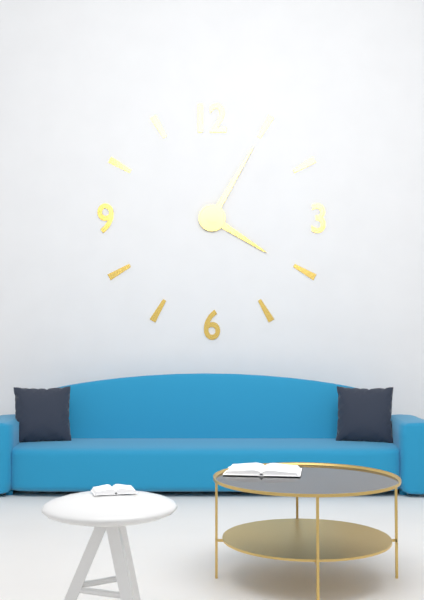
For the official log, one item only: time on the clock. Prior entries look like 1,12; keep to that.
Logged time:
4,05
